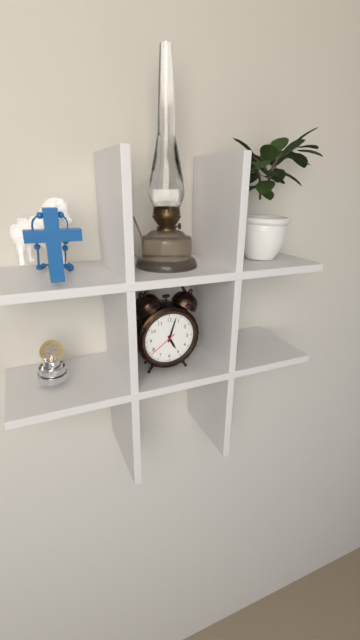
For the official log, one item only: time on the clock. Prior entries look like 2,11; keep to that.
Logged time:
5,03
